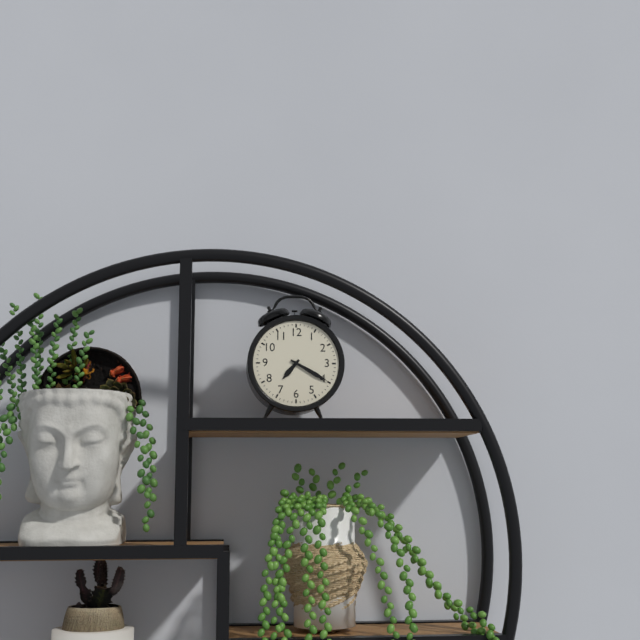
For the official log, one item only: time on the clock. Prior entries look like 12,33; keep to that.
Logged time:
7,20
